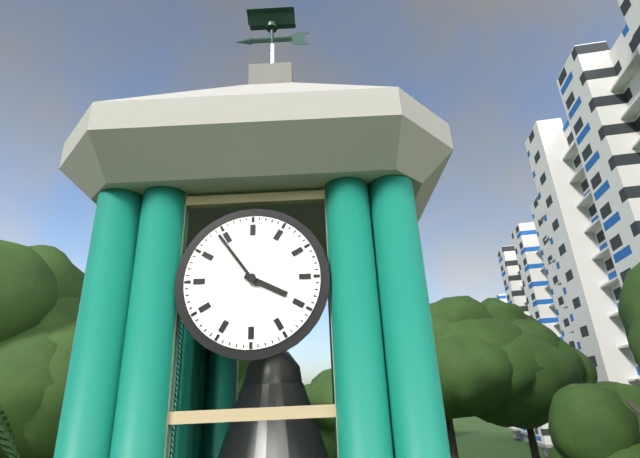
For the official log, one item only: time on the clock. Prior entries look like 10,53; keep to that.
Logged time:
3,54
